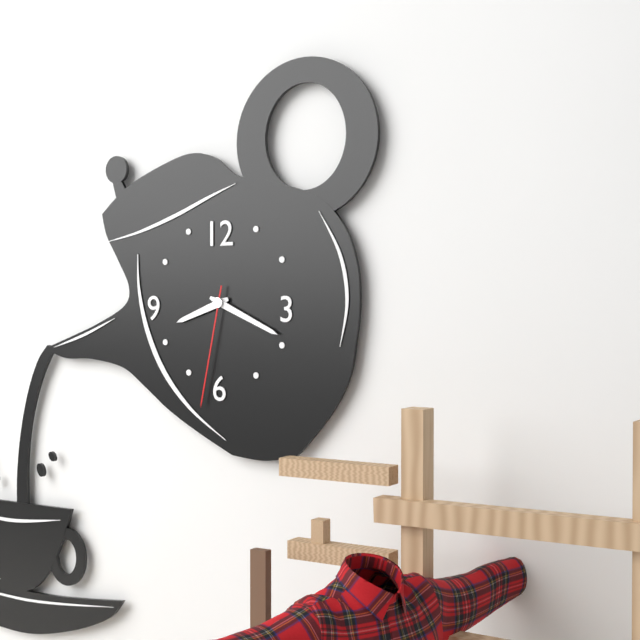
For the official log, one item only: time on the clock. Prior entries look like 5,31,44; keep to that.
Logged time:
8,19,32
